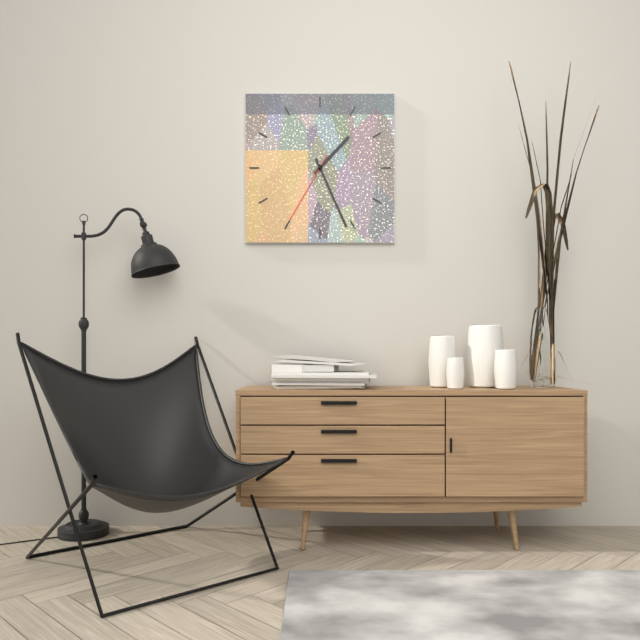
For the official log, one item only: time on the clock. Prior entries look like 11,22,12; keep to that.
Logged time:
1,26,35
